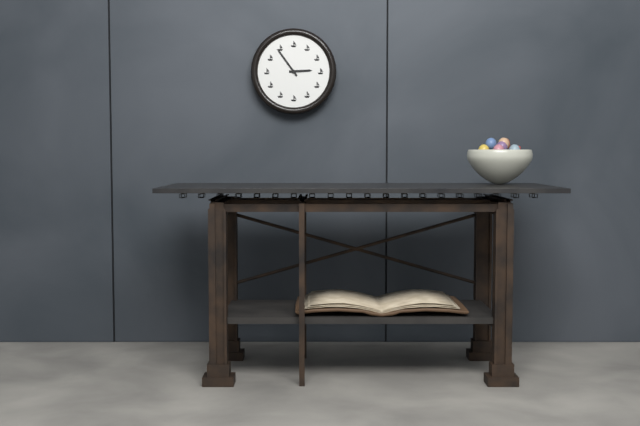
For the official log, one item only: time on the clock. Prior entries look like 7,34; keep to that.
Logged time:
2,54
